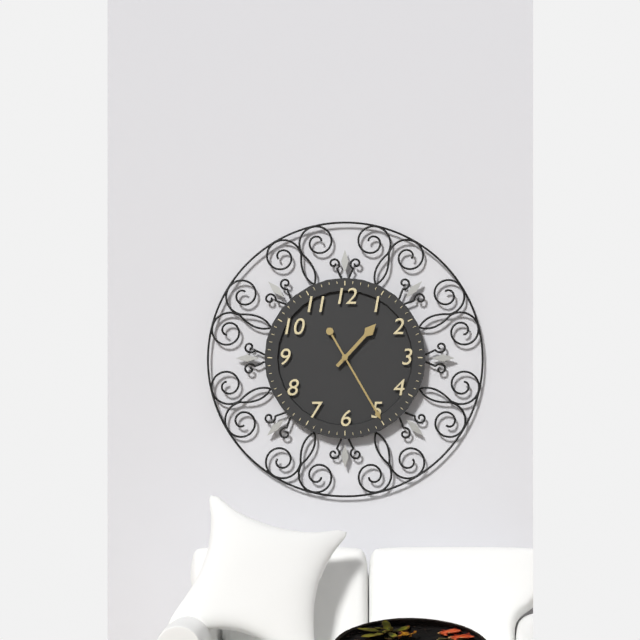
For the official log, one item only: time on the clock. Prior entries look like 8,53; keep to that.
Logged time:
1,25
